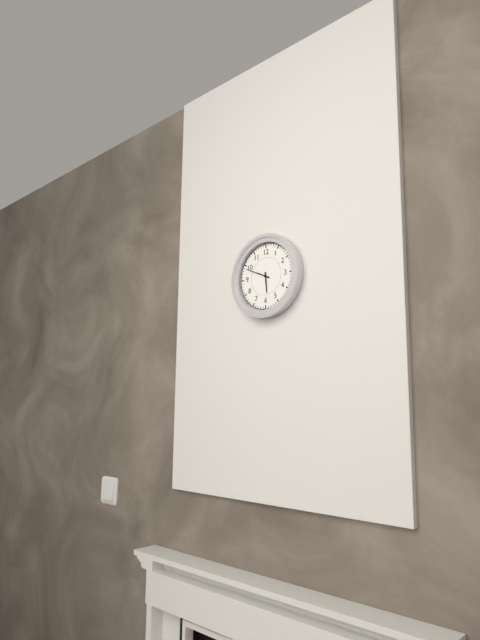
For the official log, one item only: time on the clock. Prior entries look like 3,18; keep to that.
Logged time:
5,49
